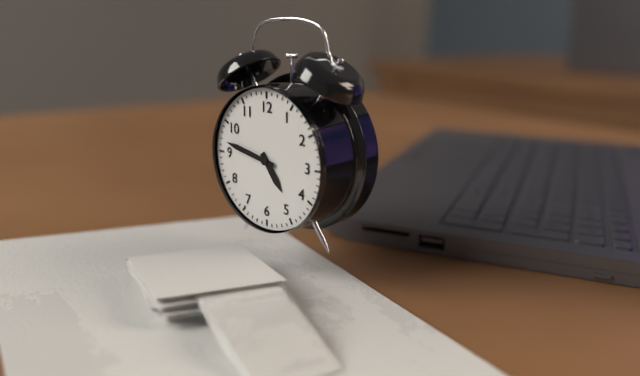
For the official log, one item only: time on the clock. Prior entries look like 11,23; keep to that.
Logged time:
4,47
